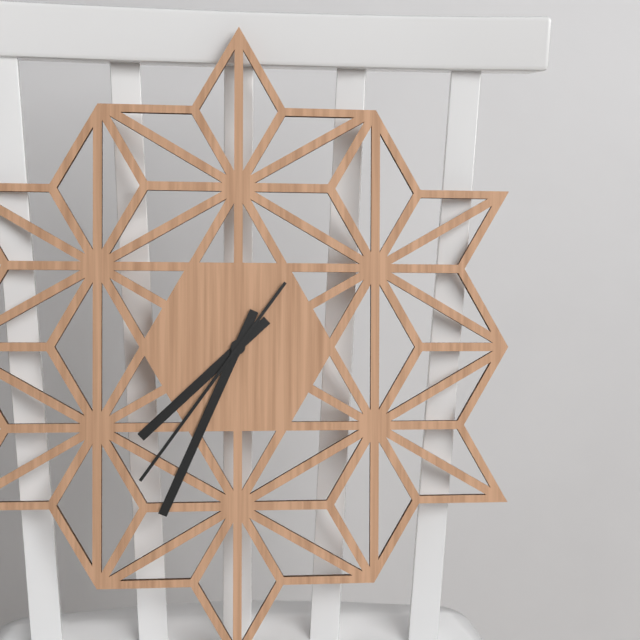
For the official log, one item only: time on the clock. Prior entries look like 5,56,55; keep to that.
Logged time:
7,34,36
